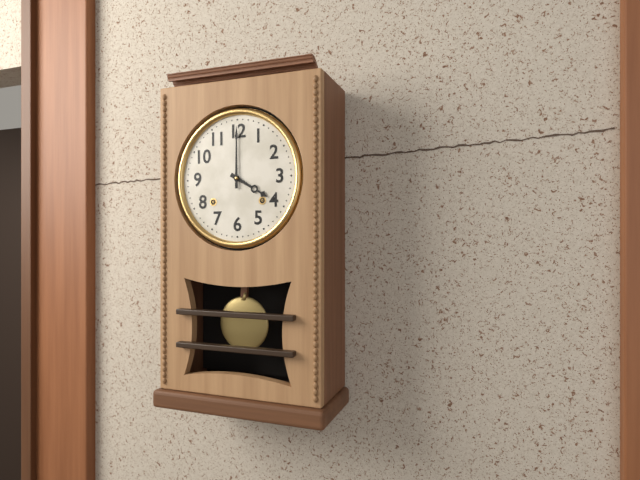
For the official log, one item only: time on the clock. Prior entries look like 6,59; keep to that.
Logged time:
4,00
